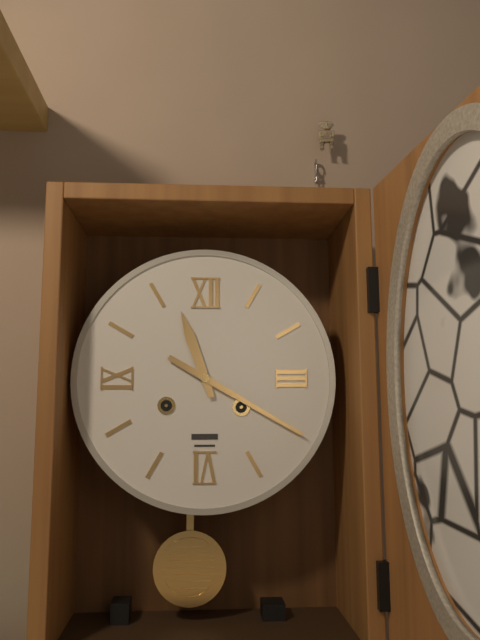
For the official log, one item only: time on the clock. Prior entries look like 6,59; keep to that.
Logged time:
11,20
